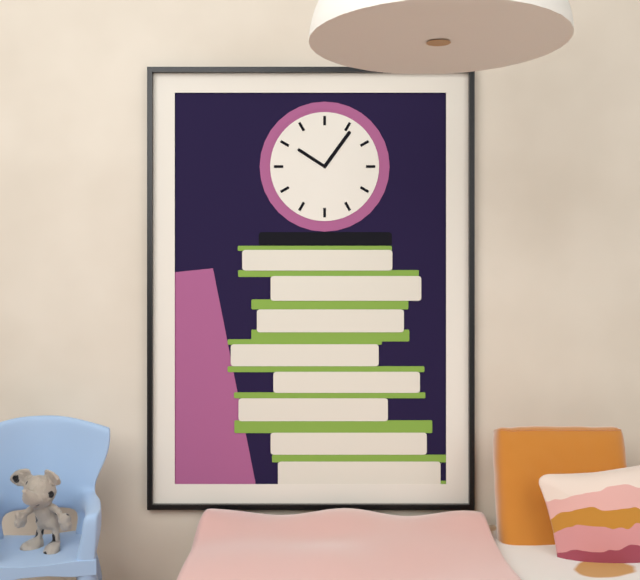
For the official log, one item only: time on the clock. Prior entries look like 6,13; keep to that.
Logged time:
10,06
